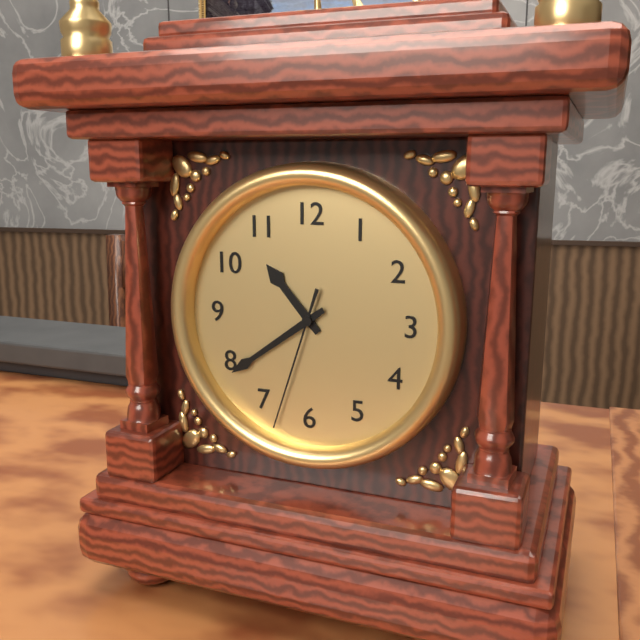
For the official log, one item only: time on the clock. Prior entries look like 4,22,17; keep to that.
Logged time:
10,39,33
